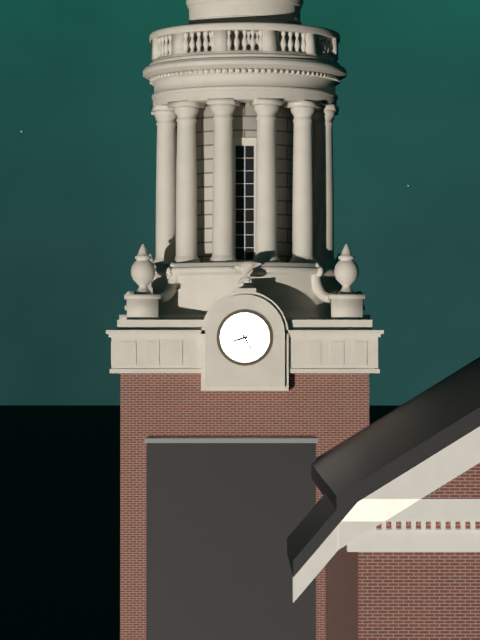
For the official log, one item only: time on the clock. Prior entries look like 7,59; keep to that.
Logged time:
8,25
